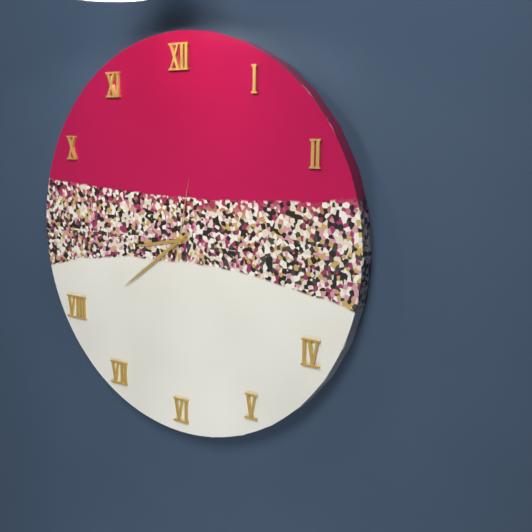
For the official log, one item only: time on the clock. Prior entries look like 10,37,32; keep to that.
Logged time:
8,39,02
